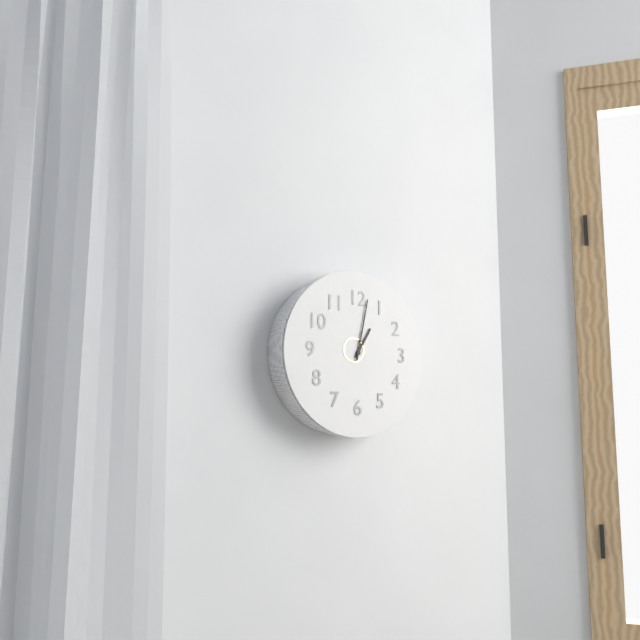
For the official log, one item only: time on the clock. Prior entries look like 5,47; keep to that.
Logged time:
1,02
